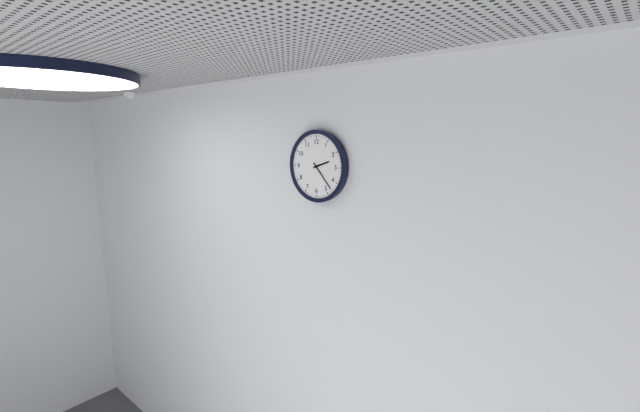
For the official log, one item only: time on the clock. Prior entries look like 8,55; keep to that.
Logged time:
2,23
